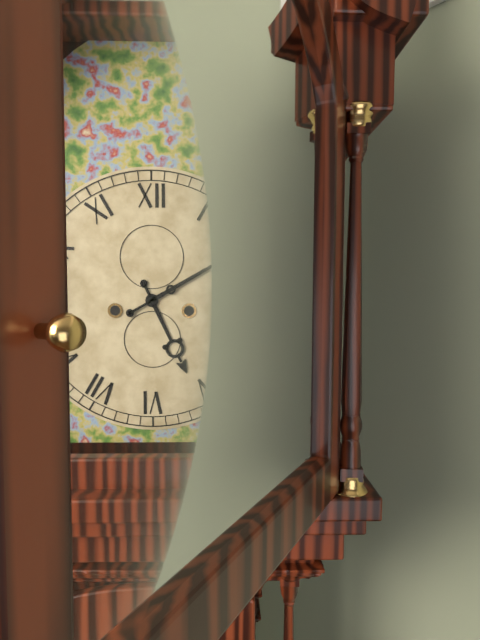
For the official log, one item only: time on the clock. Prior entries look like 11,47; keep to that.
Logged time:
5,10
